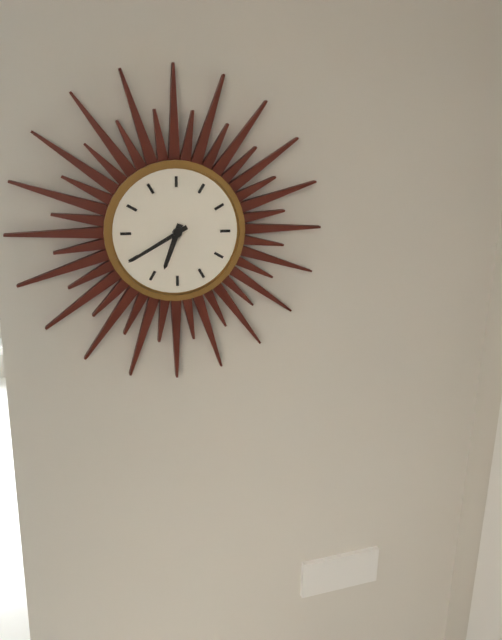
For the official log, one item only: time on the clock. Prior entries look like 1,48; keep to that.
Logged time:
6,40
